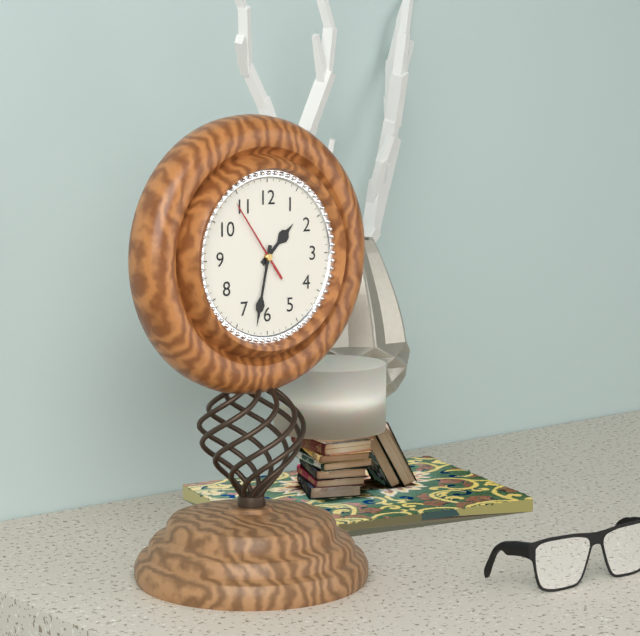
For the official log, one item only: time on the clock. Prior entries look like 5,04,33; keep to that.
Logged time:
1,32,54
